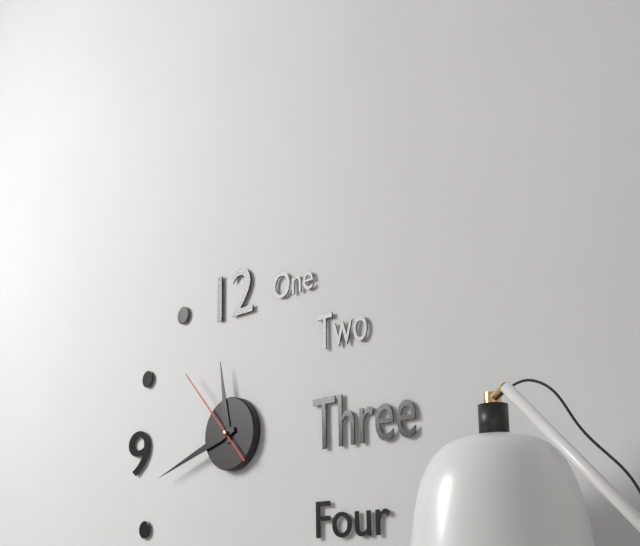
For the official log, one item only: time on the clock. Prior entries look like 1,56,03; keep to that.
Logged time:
11,42,53
